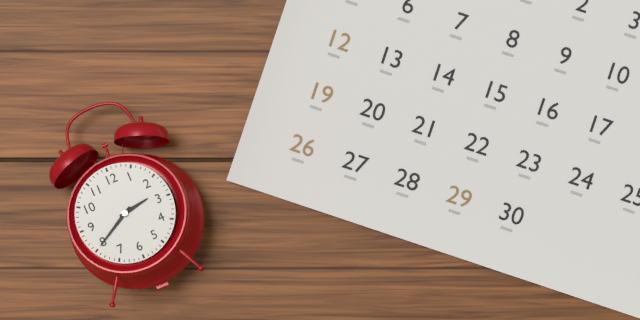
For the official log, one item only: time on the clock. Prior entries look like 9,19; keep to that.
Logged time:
2,40
